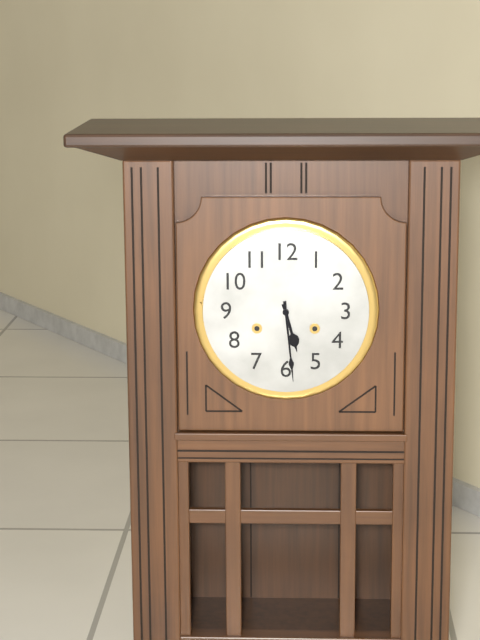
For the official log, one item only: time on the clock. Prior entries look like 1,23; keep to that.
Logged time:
5,29
